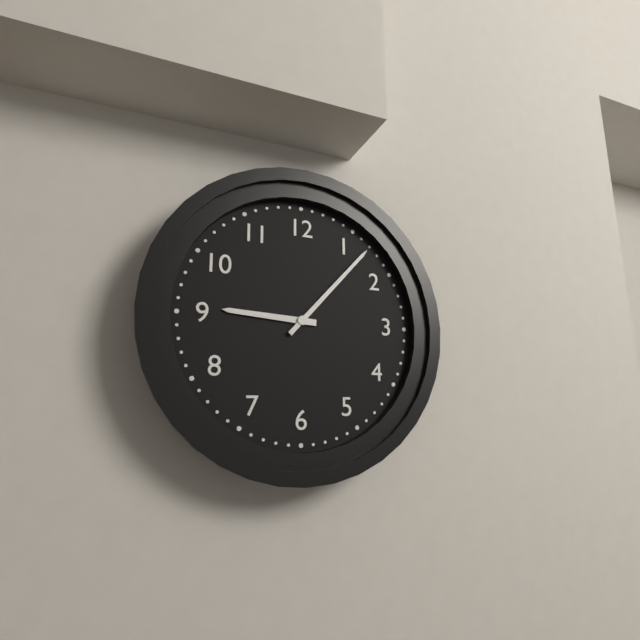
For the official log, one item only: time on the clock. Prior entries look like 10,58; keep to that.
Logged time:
9,07
